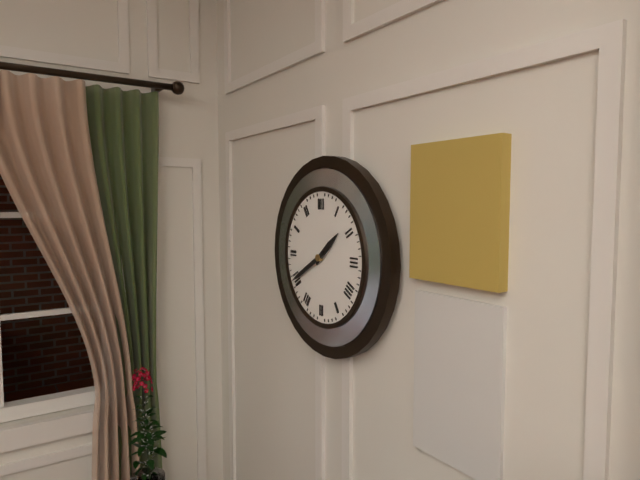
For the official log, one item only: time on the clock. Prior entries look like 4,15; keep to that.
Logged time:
1,40
